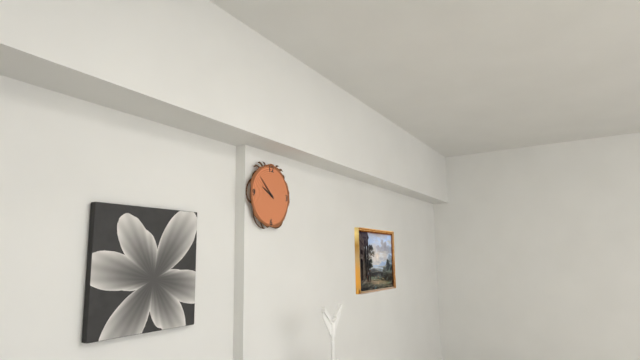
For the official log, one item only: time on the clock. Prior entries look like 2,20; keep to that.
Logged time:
9,52
